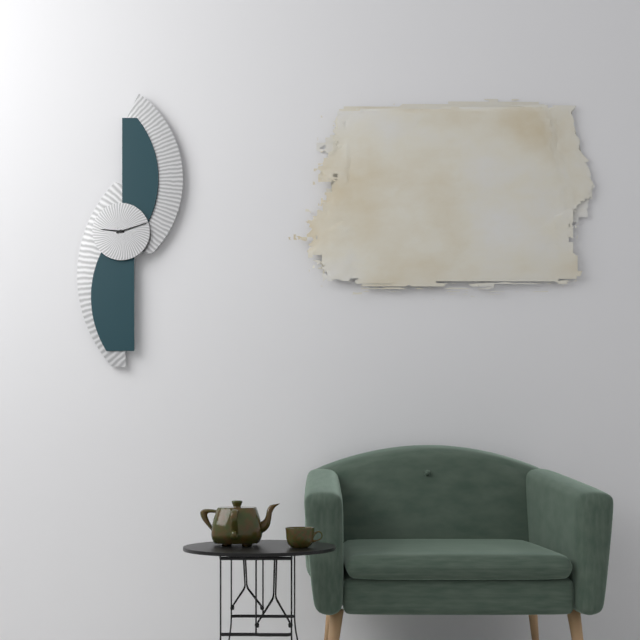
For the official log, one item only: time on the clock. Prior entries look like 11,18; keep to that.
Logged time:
9,12
